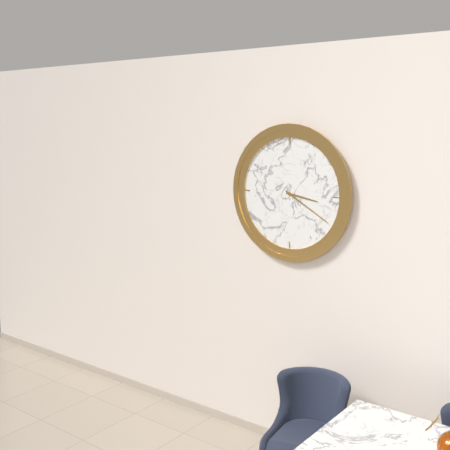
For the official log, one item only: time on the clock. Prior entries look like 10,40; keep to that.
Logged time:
3,20
